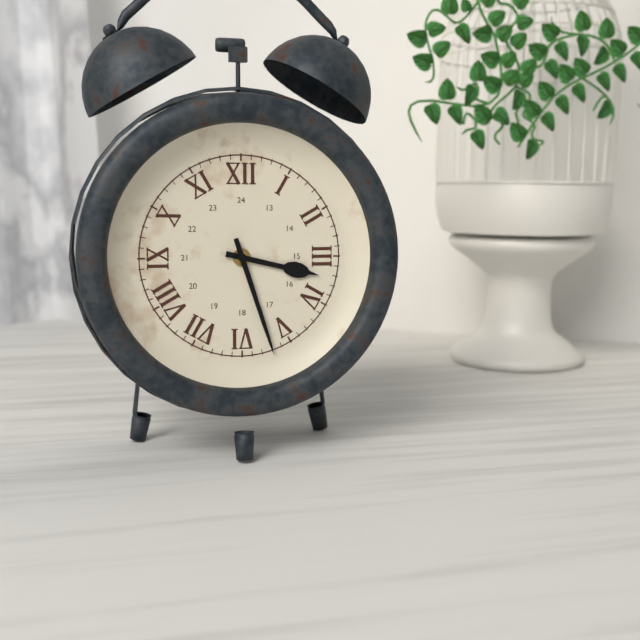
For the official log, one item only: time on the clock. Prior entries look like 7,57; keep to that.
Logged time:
3,27
